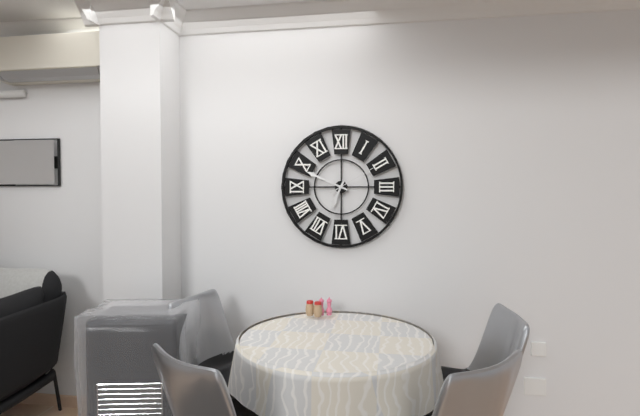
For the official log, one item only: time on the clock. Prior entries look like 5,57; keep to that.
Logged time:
6,49
